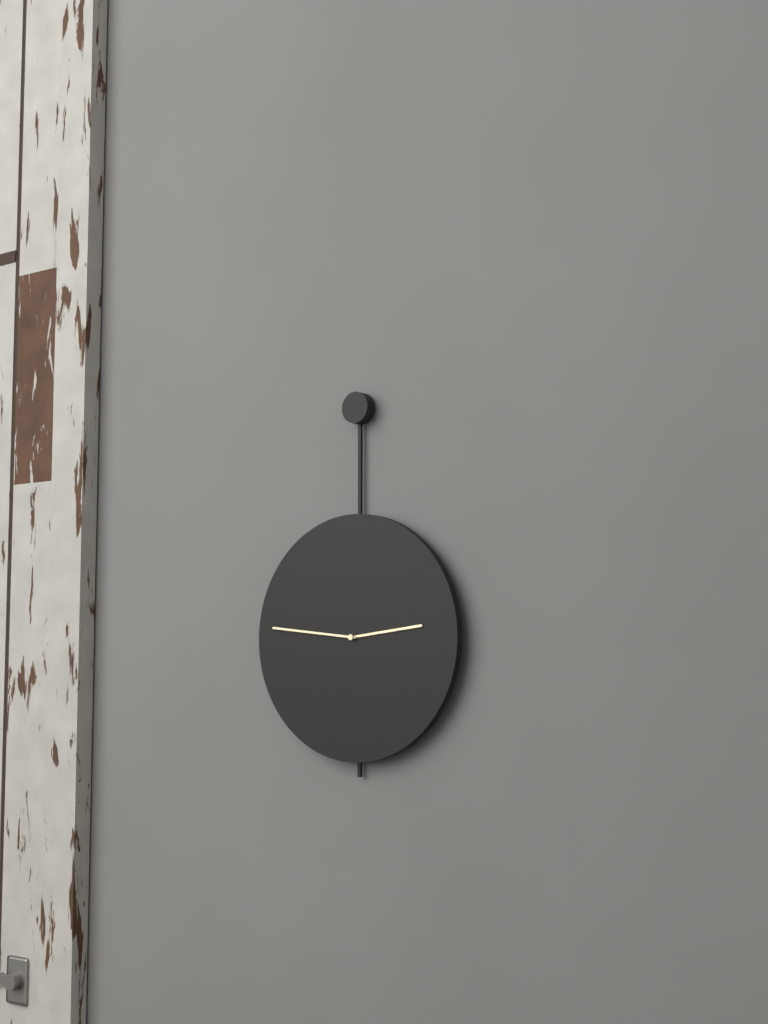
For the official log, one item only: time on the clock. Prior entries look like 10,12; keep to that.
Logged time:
2,46
